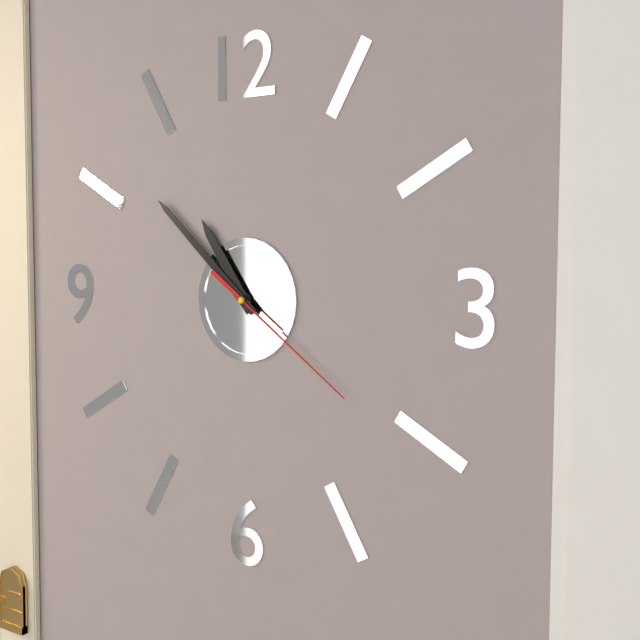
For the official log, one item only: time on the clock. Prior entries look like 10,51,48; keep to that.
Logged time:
10,52,21
